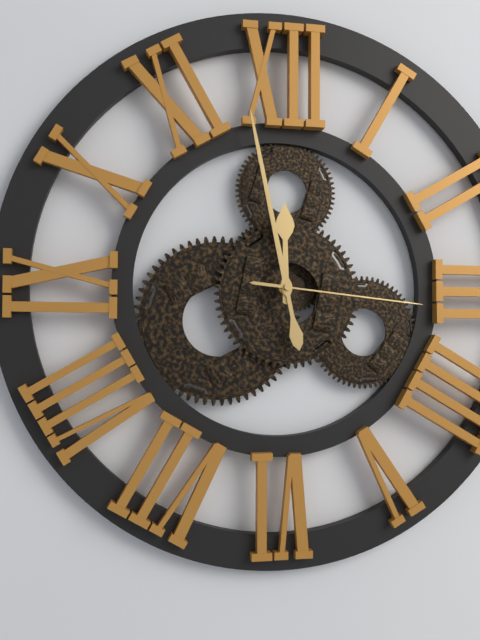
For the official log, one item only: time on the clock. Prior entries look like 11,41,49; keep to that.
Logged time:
11,58,16
